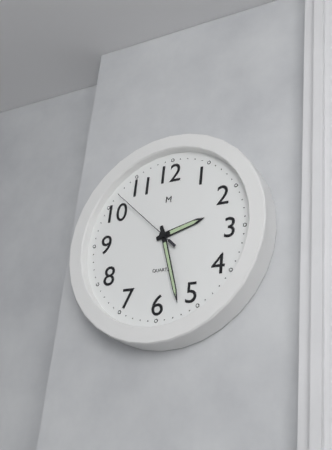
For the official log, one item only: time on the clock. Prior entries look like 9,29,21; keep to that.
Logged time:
2,27,52
